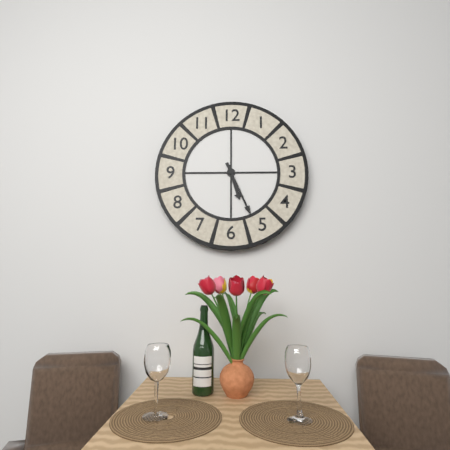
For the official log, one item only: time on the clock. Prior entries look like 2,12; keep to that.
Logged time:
5,26
